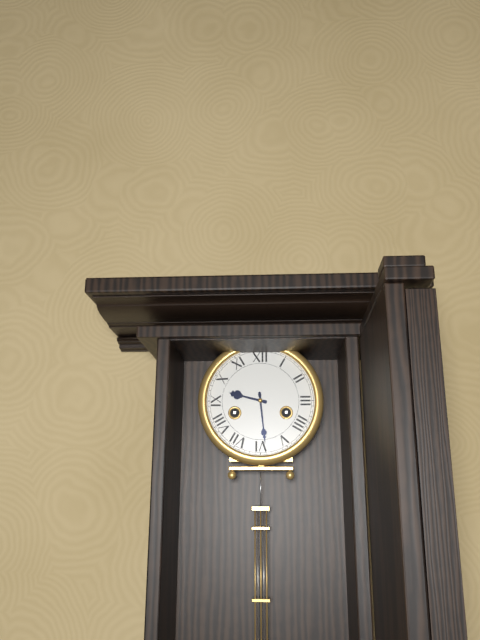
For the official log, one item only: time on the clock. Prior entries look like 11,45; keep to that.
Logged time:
9,29
